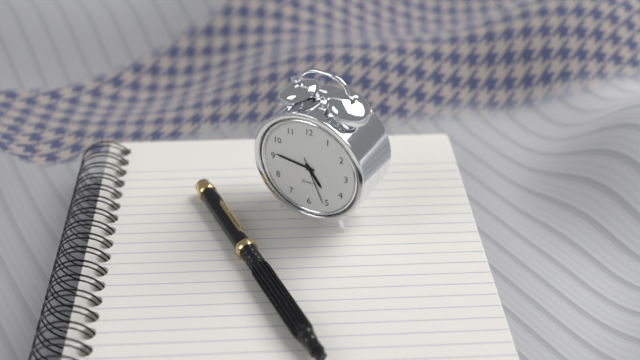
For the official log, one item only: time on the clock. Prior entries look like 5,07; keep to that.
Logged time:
4,46
